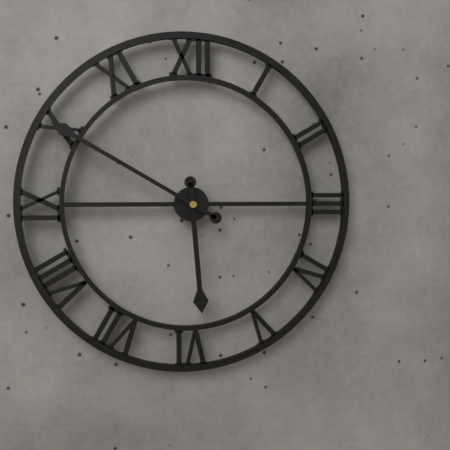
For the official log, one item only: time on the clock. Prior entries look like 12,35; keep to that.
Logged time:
5,50
